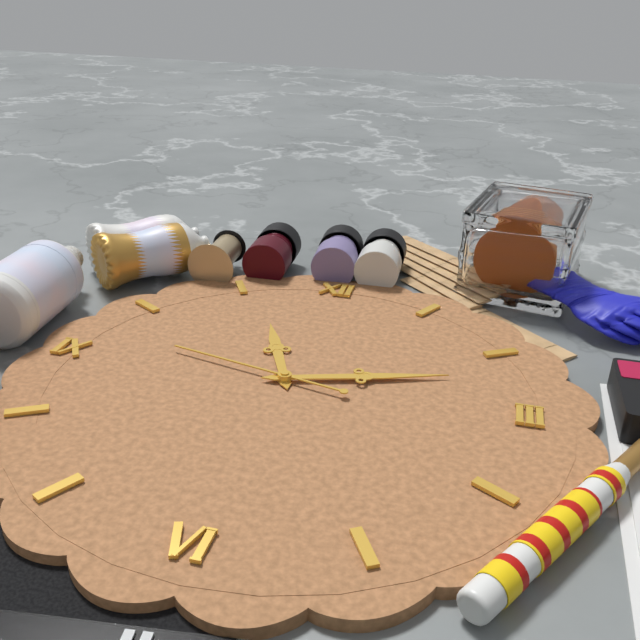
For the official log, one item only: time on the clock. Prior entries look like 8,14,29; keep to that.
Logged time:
11,12,47
